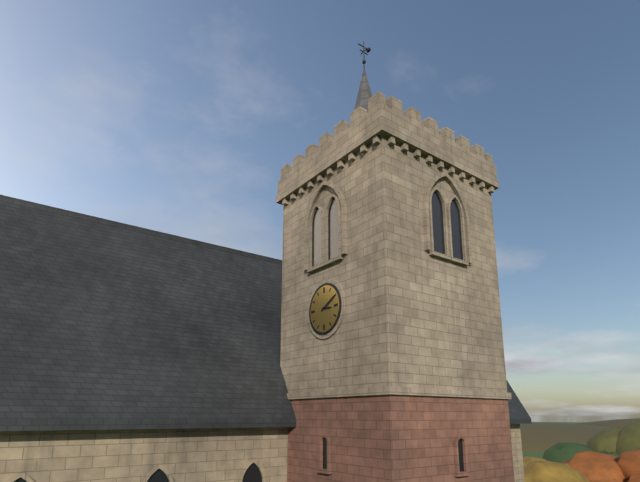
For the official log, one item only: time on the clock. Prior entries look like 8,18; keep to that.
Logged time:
3,10
